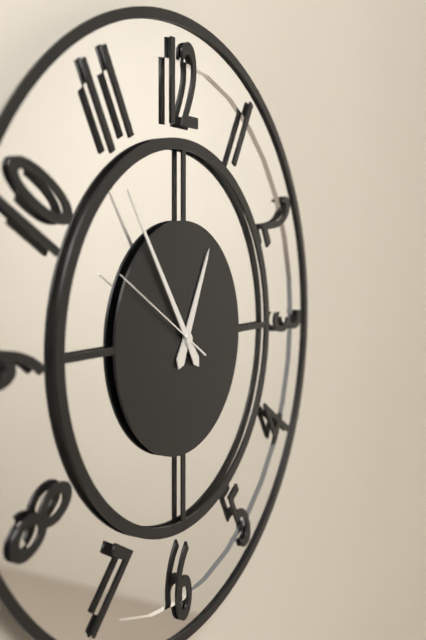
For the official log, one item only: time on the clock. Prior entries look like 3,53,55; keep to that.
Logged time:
12,54,50
